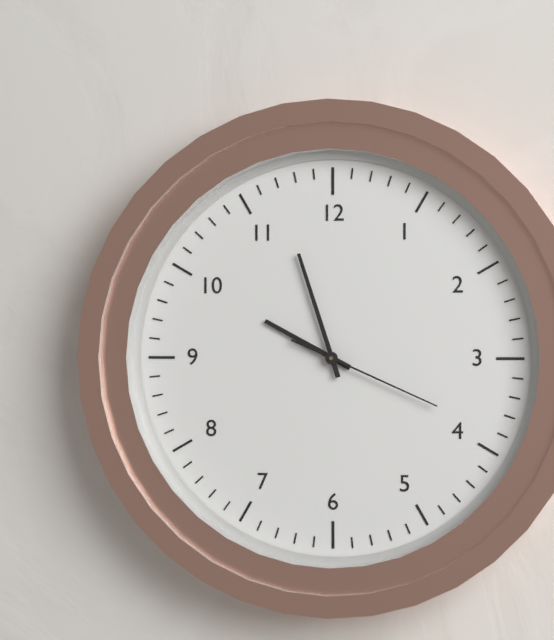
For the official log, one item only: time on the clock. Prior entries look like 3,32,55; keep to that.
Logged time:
9,57,19
